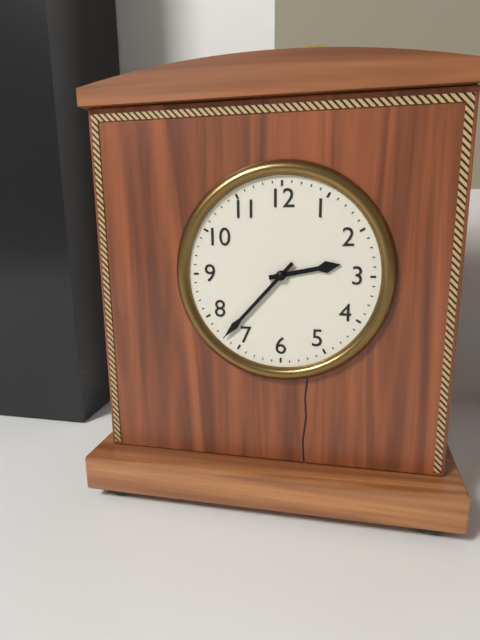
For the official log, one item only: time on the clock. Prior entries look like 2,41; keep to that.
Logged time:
2,37
